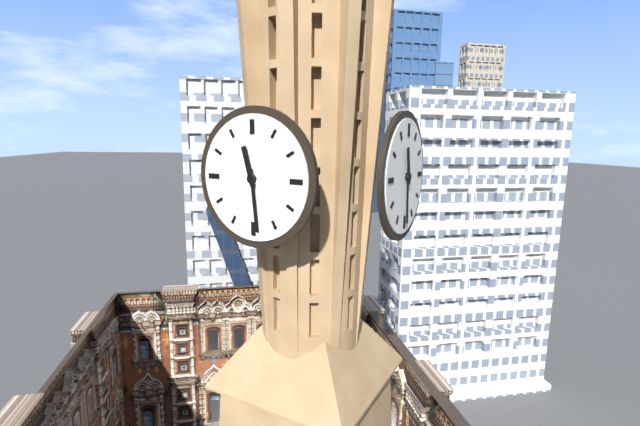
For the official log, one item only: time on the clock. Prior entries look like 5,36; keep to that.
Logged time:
11,29
